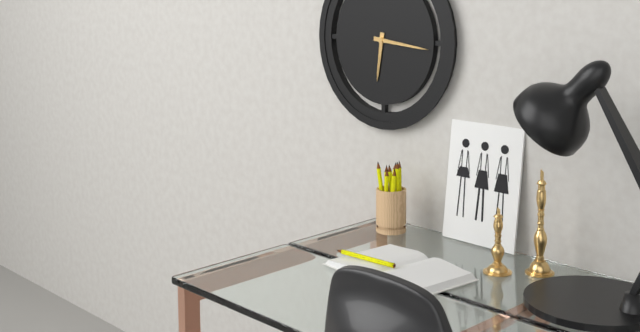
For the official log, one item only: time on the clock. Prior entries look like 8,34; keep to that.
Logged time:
6,16
